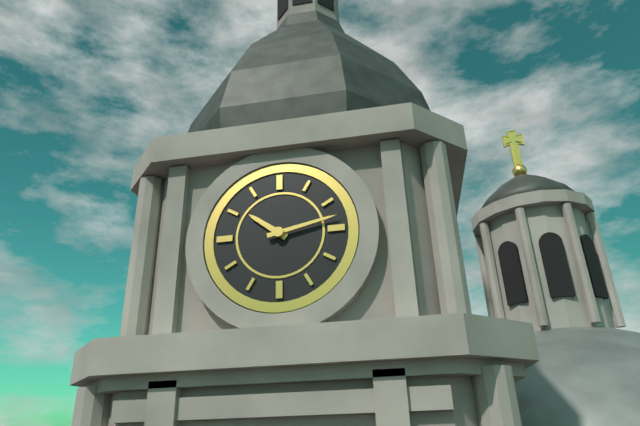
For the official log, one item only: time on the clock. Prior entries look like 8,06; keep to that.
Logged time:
10,13
